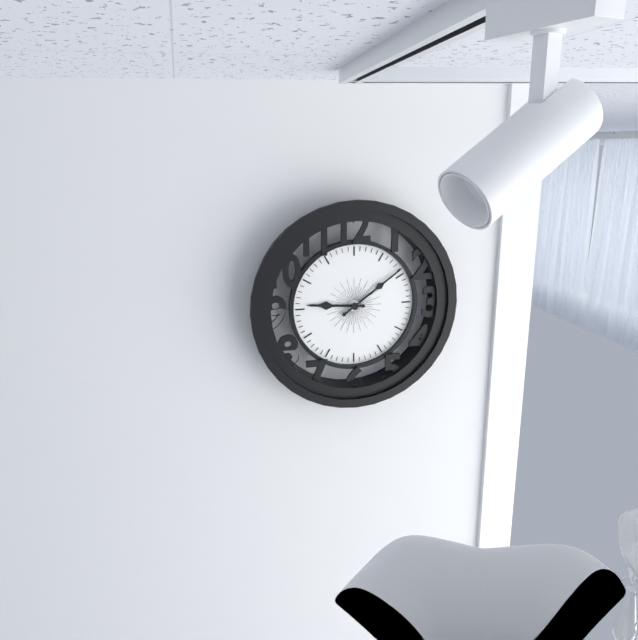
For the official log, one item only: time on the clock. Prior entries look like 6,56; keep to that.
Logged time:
9,09
